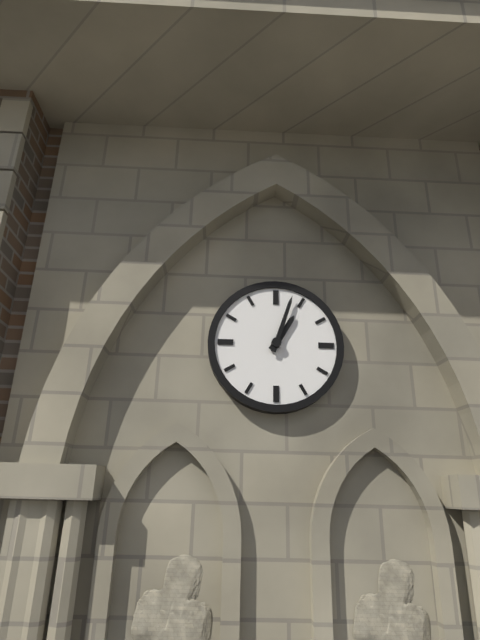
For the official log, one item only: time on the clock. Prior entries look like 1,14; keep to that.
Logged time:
1,03
